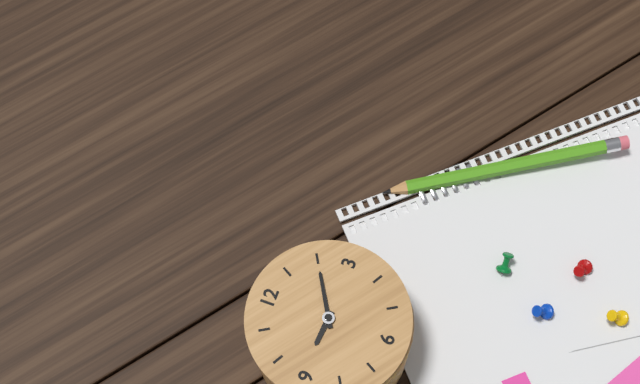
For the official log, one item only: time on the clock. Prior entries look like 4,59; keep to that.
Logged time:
9,10
